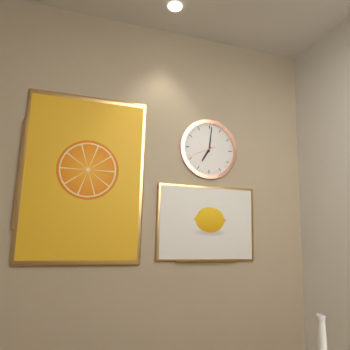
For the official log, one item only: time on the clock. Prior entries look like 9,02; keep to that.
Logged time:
7,01
